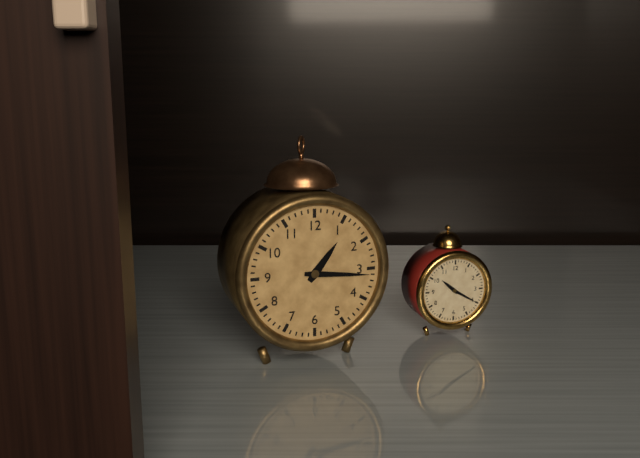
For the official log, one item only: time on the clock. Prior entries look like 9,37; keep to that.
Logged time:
1,16
